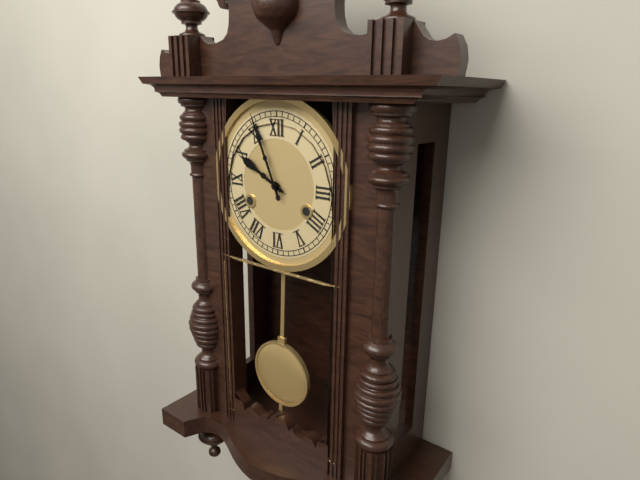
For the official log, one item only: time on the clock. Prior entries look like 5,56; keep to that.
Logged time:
9,56
